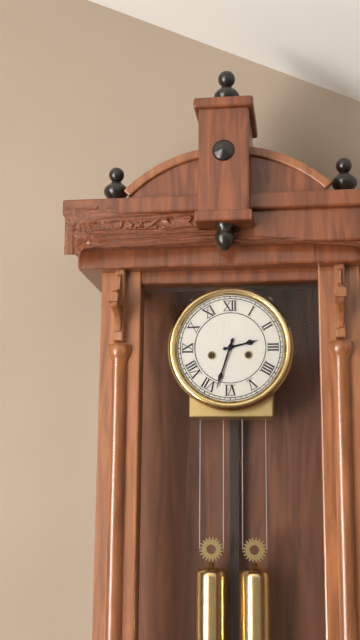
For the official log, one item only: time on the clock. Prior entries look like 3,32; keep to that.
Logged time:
2,33
